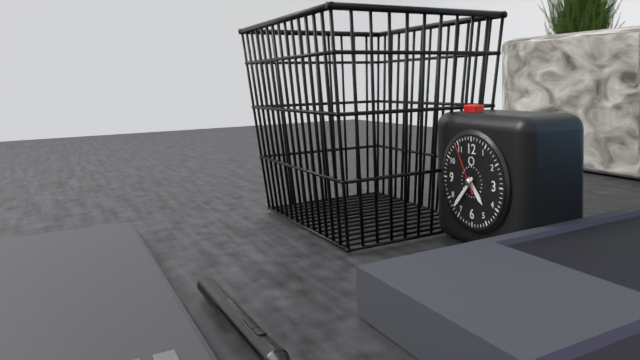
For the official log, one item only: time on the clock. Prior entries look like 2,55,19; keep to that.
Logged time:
4,37,55
